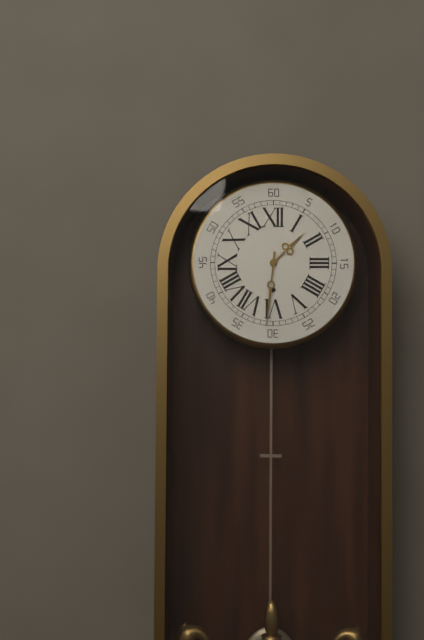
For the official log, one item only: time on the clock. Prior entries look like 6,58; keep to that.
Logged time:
1,31
